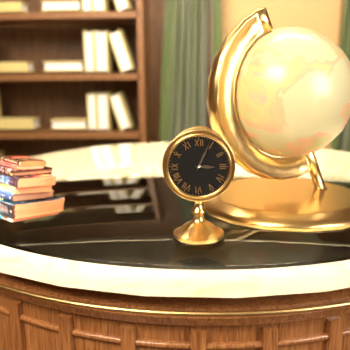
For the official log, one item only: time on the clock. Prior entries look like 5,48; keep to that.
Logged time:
3,04
